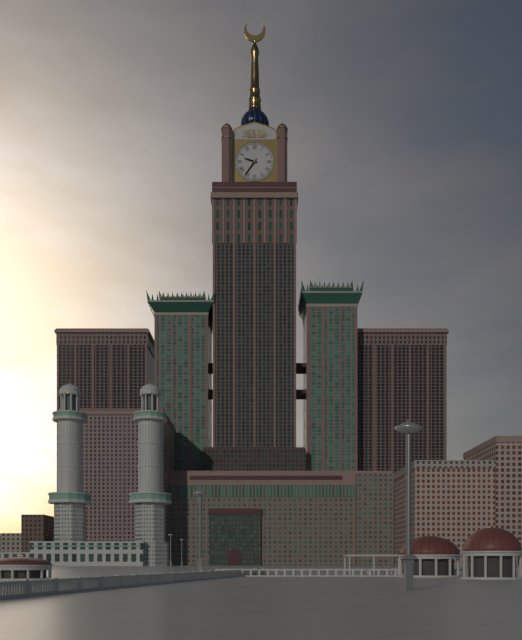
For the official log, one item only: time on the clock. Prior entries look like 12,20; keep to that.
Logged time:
9,36
